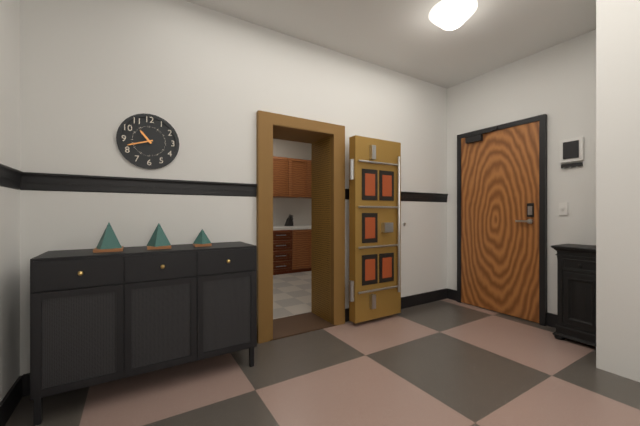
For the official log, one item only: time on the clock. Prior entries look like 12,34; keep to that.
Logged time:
10,42
